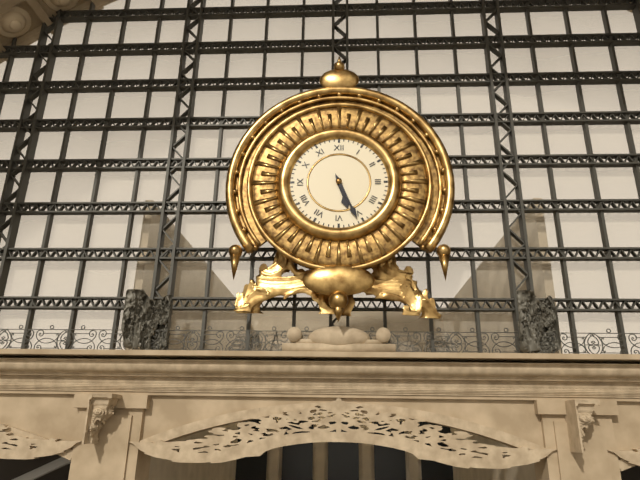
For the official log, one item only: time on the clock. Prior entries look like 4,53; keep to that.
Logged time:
5,26
